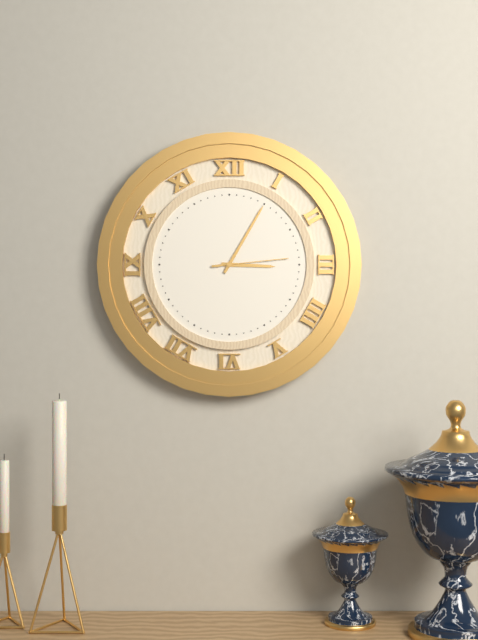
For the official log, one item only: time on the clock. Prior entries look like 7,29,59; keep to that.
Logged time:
3,05,14
